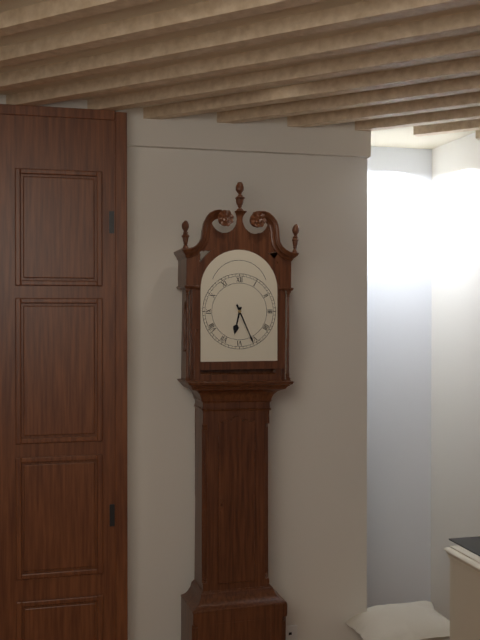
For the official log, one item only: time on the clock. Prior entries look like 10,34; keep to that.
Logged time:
6,26
